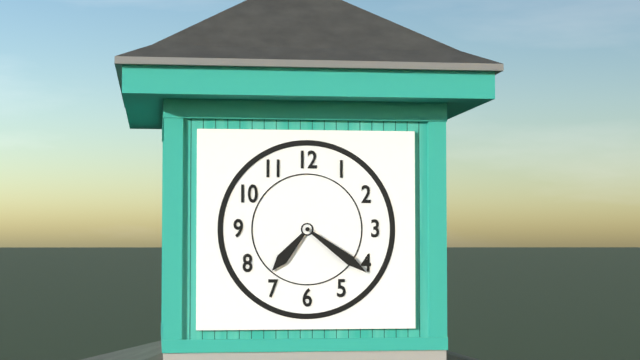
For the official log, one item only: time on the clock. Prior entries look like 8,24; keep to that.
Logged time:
7,21
